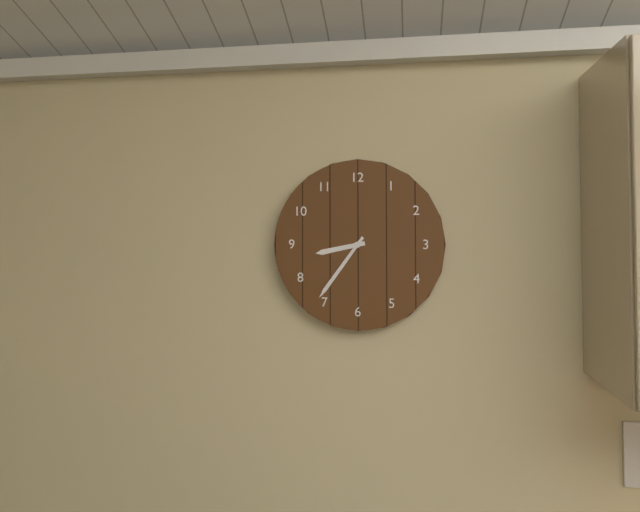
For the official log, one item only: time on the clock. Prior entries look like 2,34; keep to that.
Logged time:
8,36
